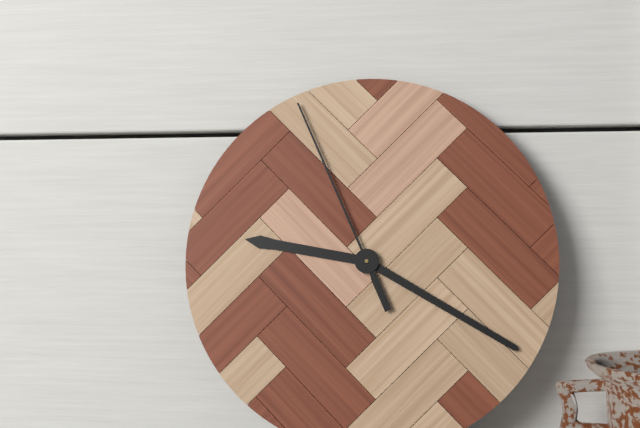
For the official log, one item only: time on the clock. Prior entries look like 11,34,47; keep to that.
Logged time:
9,20,56
